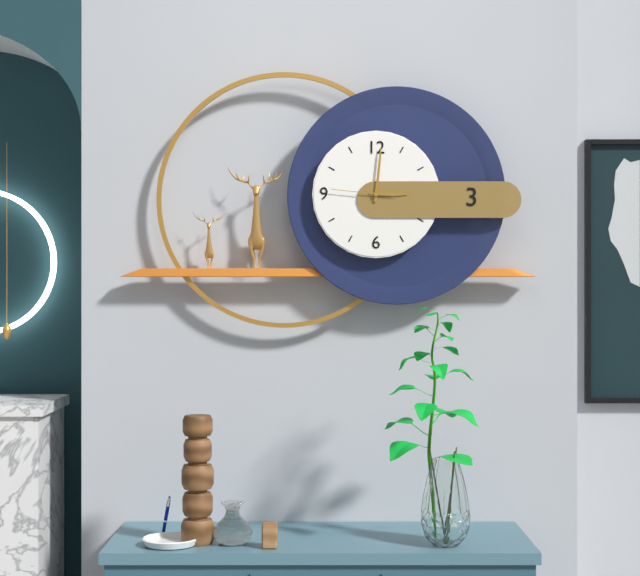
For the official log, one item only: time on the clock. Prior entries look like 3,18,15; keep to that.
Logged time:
3,01,46
